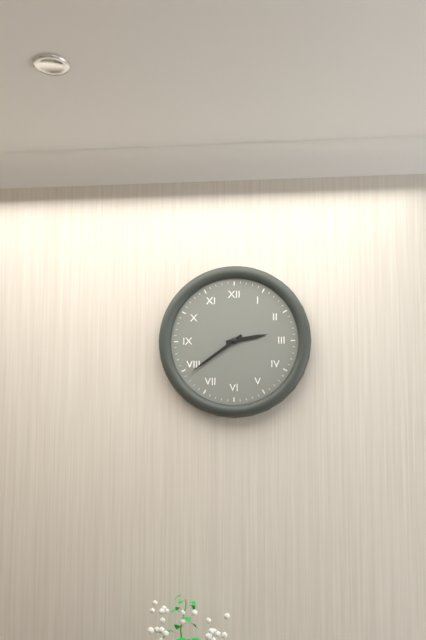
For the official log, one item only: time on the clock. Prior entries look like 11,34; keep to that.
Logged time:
2,39
